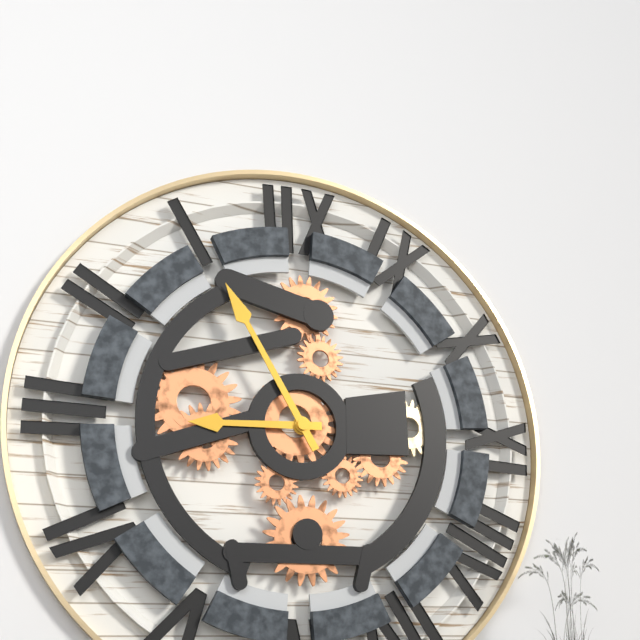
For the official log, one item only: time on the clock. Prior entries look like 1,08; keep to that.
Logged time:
8,55
